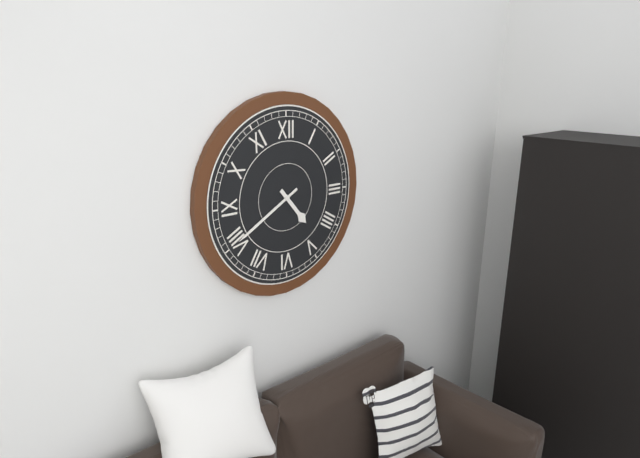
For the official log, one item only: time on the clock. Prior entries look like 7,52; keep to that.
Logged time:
4,40
